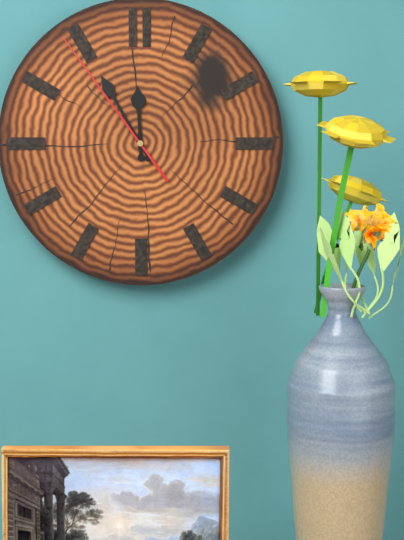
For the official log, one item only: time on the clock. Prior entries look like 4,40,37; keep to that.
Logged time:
11,55,54
